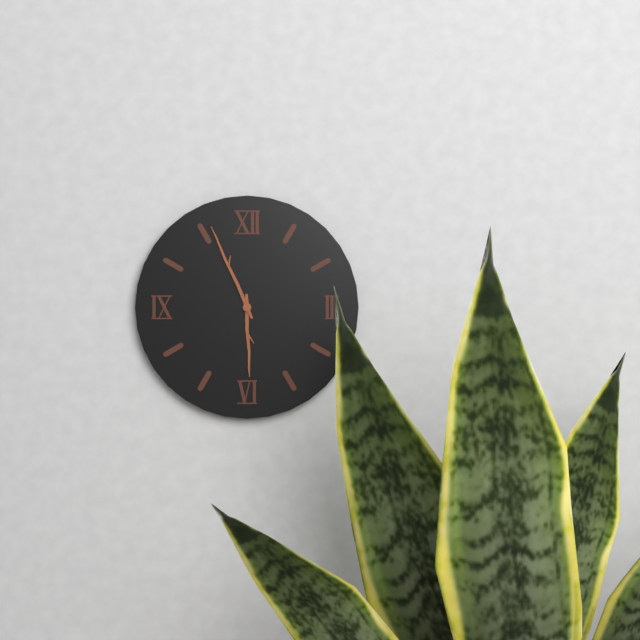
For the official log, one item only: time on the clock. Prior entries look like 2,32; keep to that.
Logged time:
5,56
